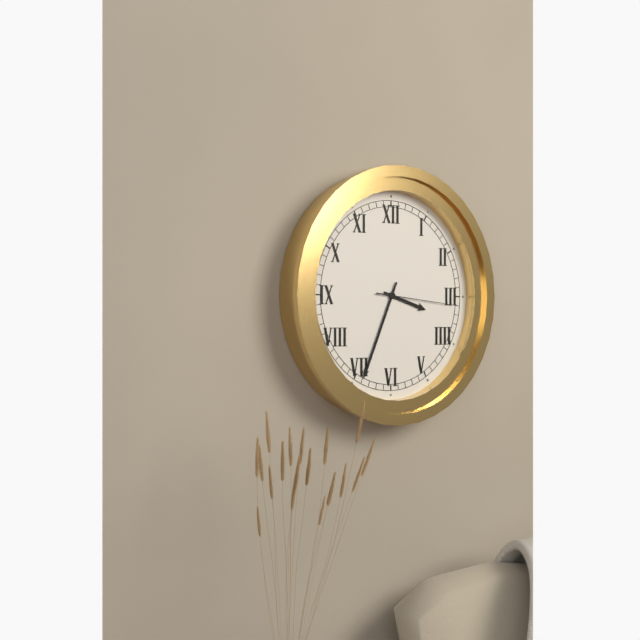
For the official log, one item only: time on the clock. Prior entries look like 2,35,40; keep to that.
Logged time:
3,34,16
